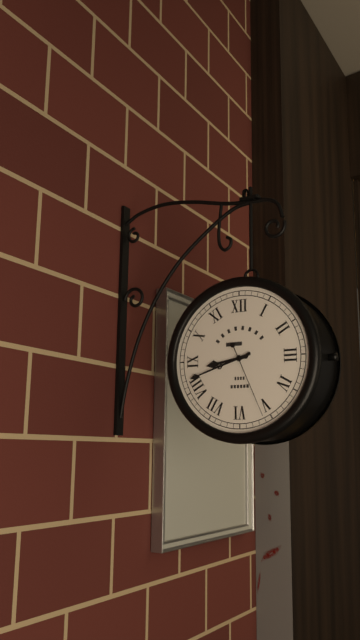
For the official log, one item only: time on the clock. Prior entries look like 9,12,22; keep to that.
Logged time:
8,42,26
